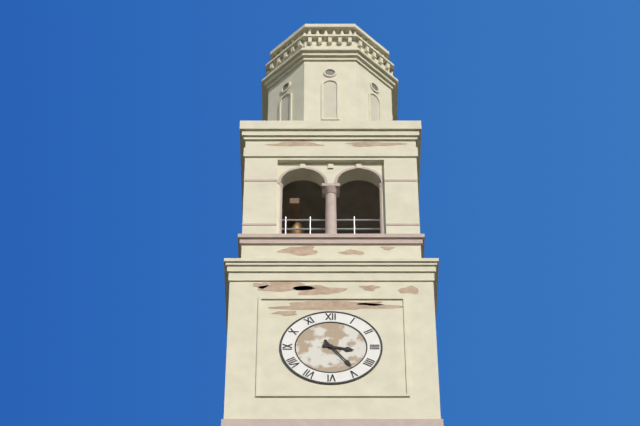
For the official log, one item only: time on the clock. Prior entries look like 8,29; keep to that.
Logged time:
3,24
